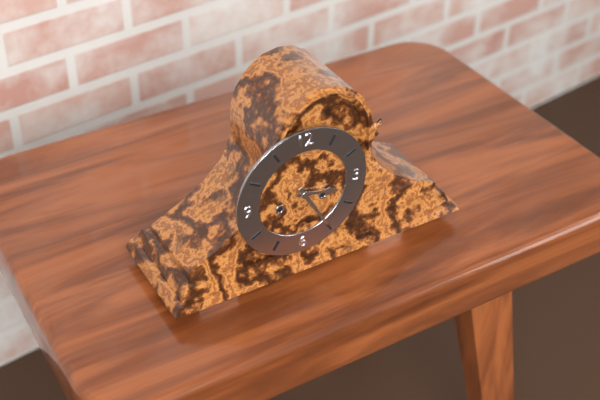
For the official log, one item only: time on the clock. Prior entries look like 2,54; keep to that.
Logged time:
3,25
